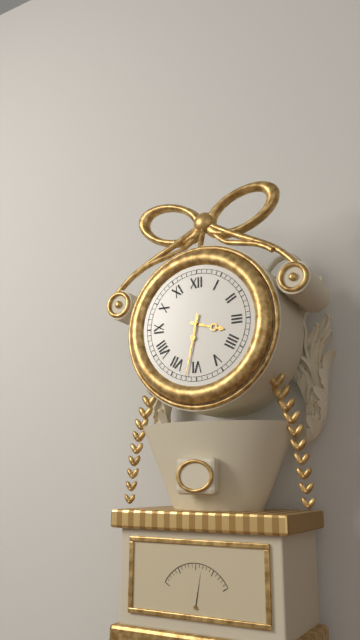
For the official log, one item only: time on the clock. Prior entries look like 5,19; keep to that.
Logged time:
3,32
